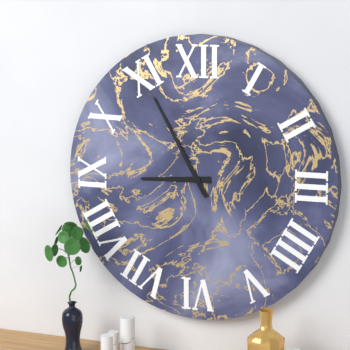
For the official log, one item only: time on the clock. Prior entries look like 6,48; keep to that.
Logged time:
8,55
